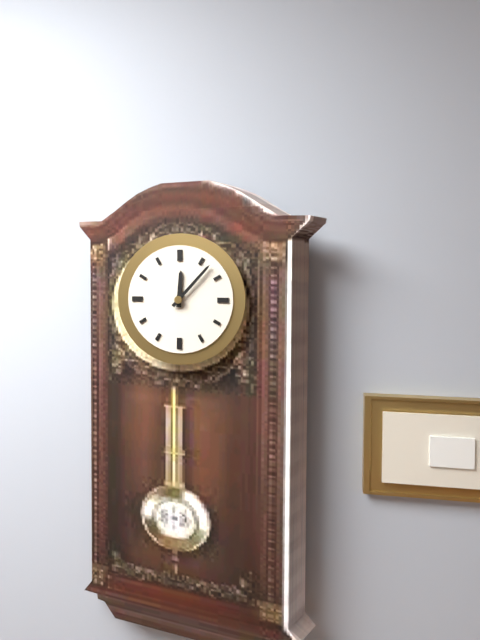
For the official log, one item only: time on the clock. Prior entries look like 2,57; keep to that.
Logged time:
12,07
